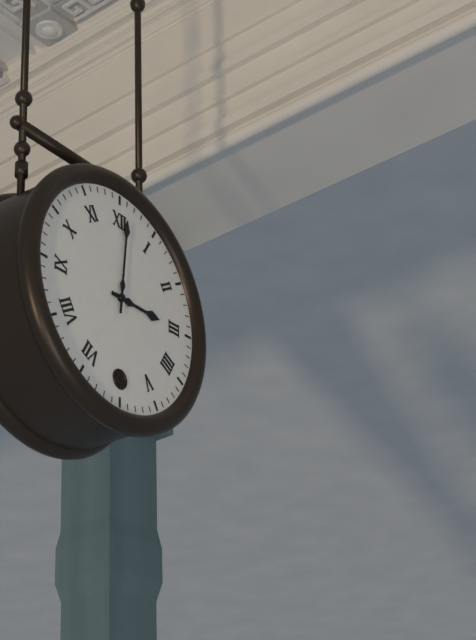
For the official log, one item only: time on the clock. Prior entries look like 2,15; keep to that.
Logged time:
3,01
